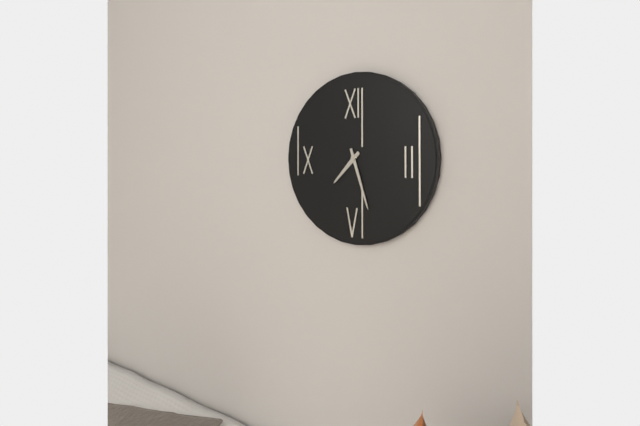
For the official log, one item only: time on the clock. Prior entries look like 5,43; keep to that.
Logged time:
7,27
